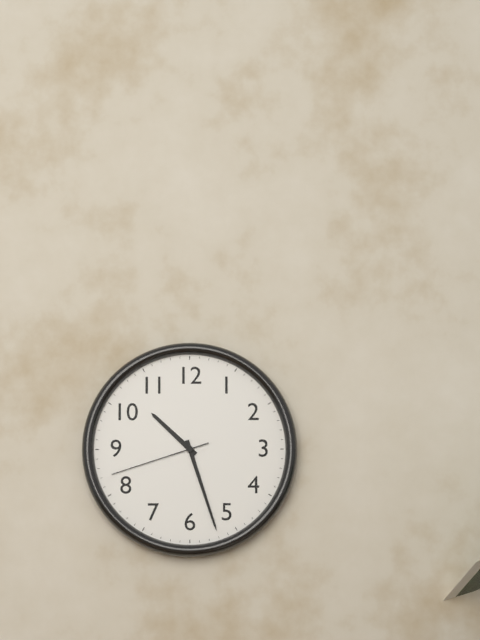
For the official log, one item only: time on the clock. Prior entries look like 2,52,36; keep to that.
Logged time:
10,27,42
